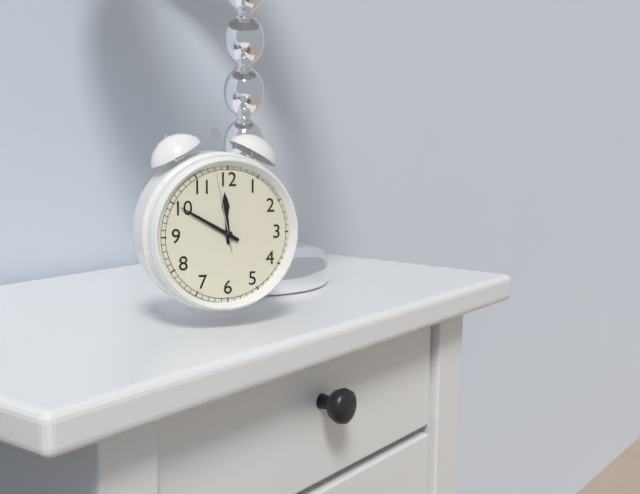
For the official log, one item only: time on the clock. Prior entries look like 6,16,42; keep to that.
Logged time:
11,50,58
